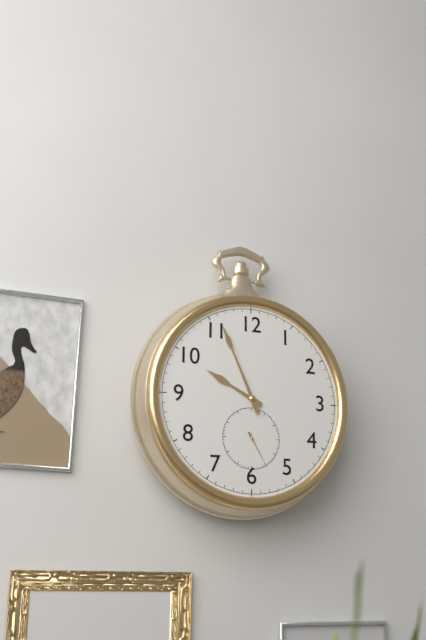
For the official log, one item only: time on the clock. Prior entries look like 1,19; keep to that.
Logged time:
9,56
